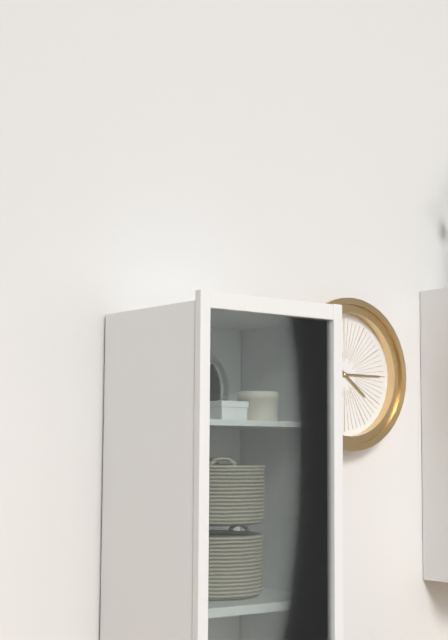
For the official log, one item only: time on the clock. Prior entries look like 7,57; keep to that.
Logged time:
4,15
